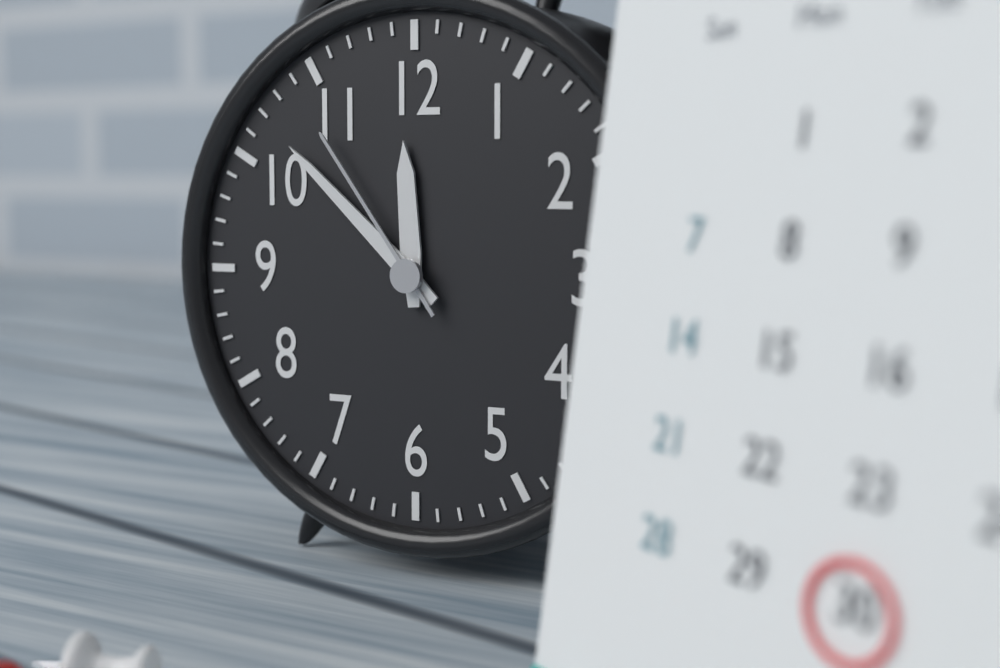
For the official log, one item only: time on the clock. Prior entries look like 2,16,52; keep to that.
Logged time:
11,52,54
